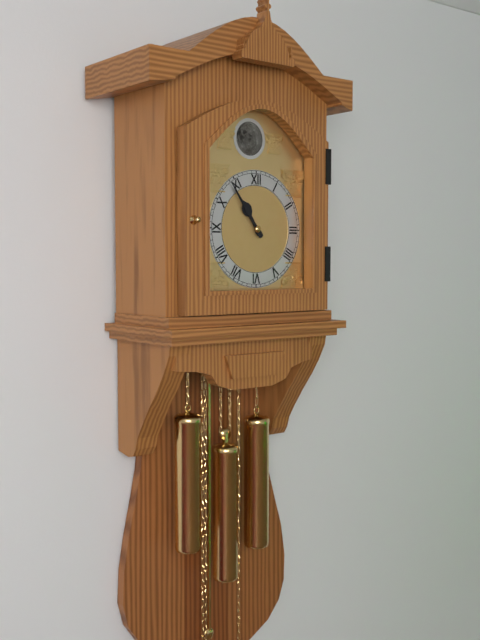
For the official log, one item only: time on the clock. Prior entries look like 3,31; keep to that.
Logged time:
10,54
